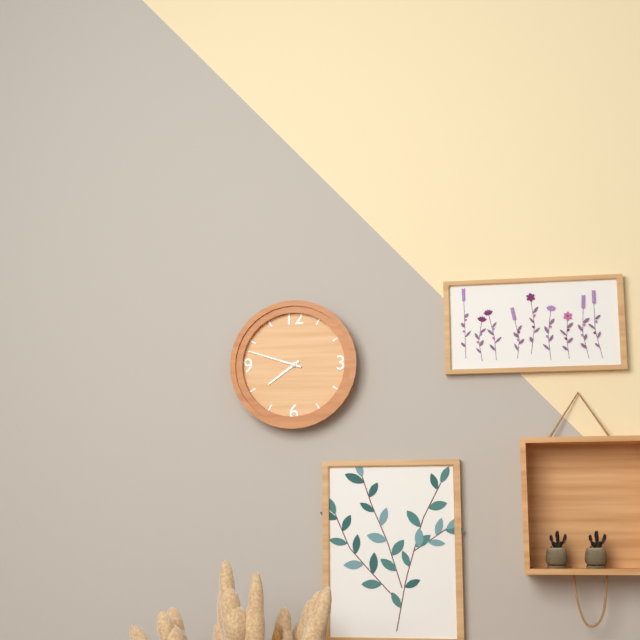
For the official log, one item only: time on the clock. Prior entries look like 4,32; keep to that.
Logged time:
7,48
